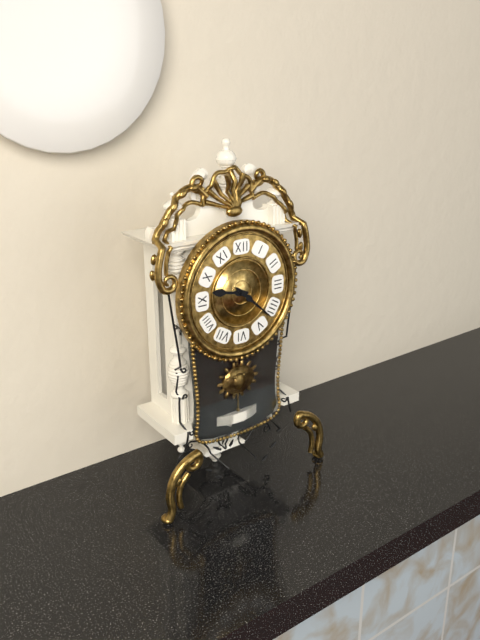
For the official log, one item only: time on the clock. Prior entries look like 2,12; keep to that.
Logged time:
9,22
